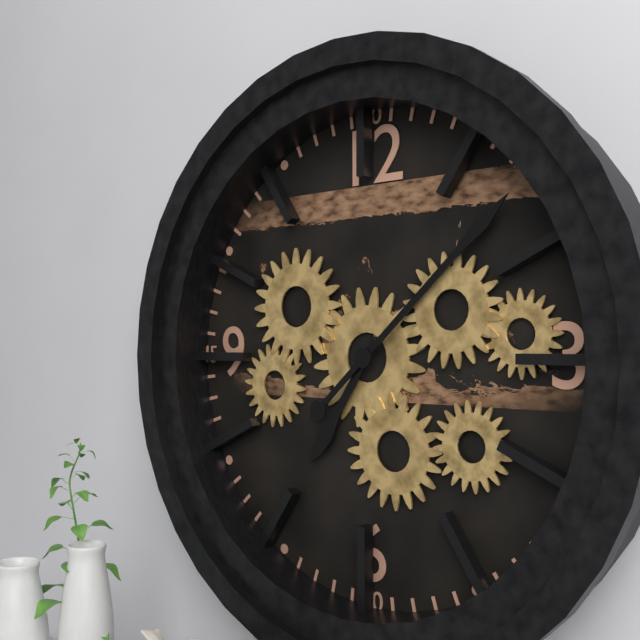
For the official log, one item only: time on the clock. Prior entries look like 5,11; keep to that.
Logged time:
7,08
